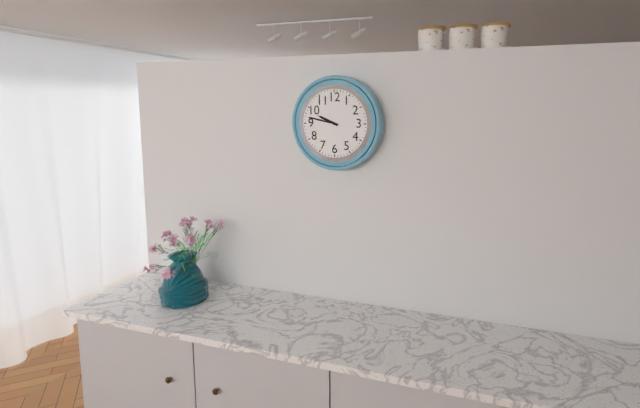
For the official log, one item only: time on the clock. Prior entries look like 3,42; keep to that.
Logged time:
9,47
